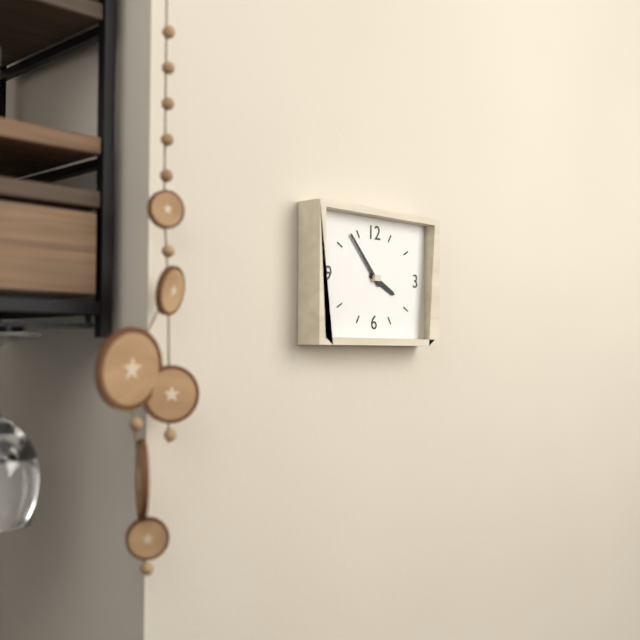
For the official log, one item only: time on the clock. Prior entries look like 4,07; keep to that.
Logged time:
3,53
